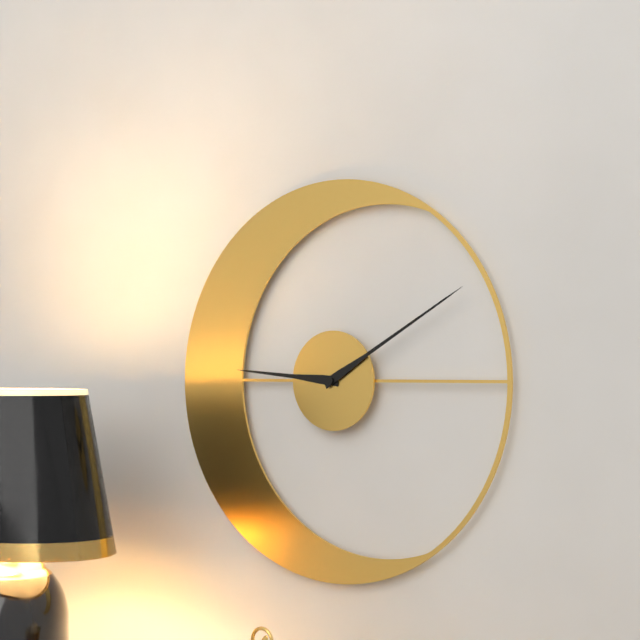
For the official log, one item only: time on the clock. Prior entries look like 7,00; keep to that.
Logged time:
9,10
